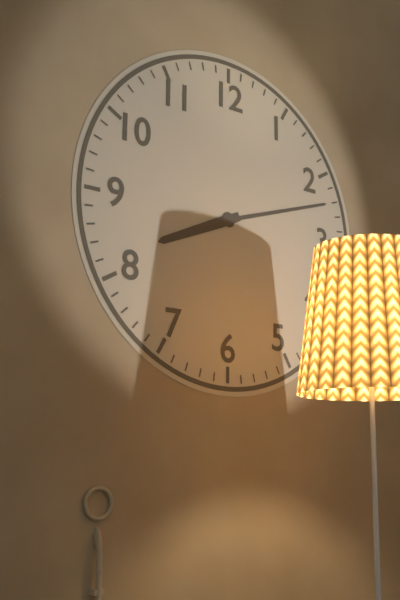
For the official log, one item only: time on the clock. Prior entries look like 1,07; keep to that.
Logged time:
8,12
